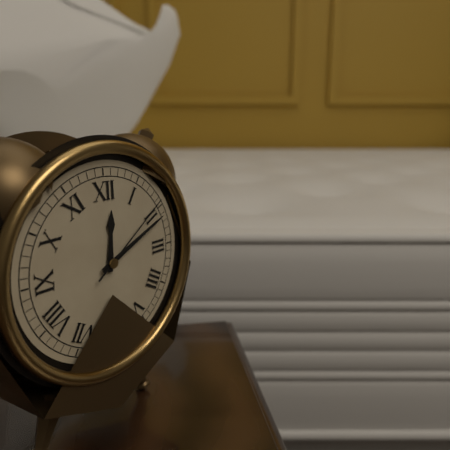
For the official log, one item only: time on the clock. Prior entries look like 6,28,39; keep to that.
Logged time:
12,11,09
